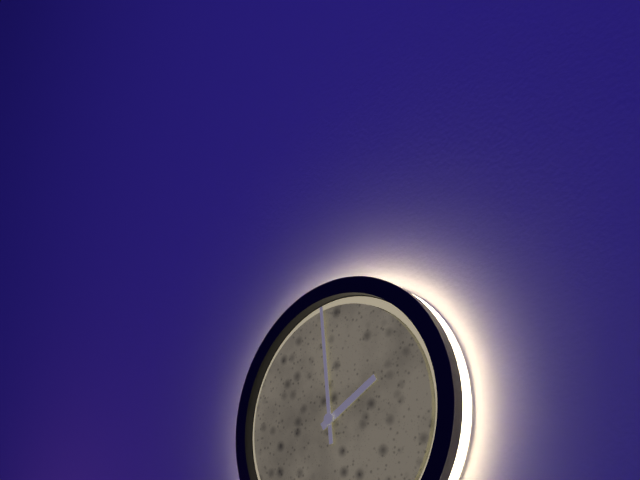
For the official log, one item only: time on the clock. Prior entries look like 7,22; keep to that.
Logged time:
1,59
